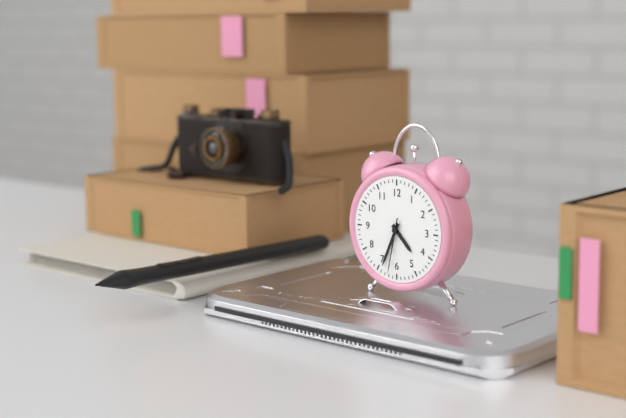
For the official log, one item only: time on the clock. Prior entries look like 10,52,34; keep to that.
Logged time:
4,34,32
